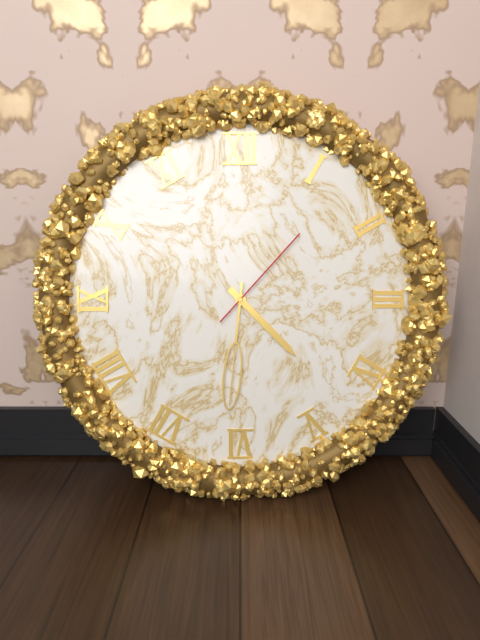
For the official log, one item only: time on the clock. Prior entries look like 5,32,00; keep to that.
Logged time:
4,31,07
